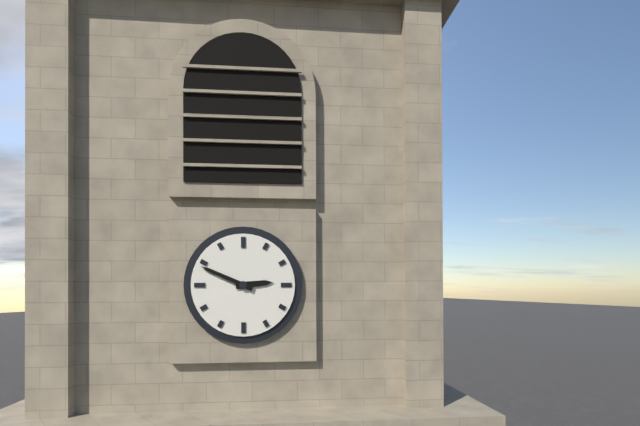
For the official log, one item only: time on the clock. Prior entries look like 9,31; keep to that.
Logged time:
2,49
